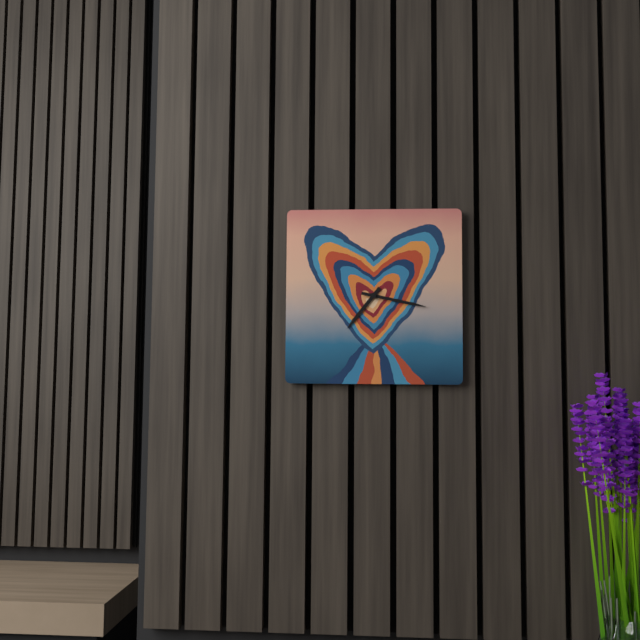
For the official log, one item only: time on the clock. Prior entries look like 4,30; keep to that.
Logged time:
7,17
